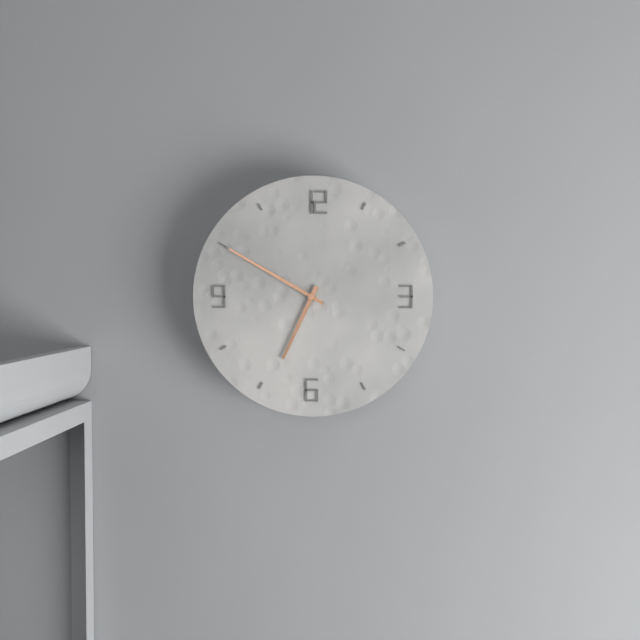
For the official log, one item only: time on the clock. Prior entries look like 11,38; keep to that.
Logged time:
6,50
